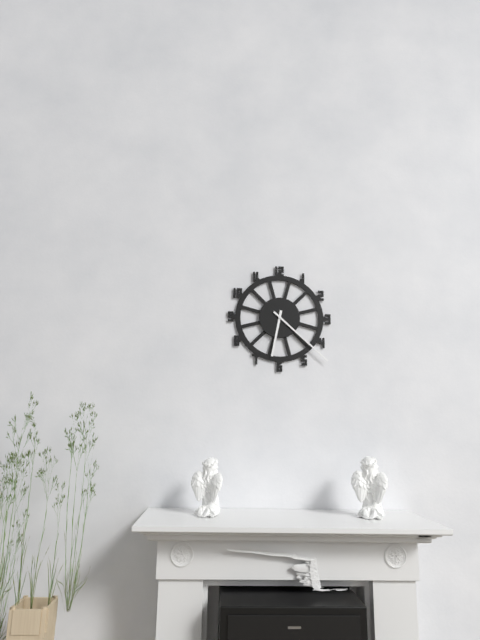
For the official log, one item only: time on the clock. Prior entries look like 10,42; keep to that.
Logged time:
6,22
